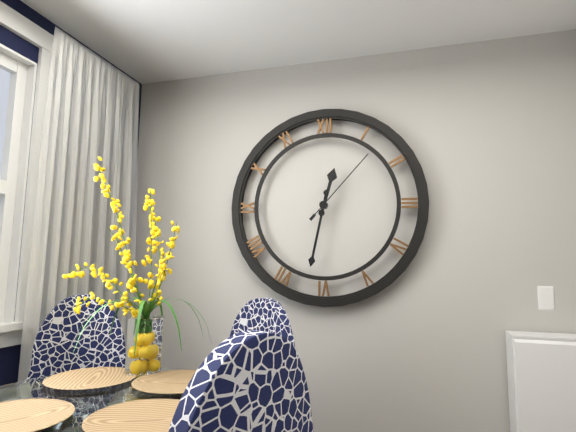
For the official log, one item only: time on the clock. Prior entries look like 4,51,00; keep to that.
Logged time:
12,32,07
